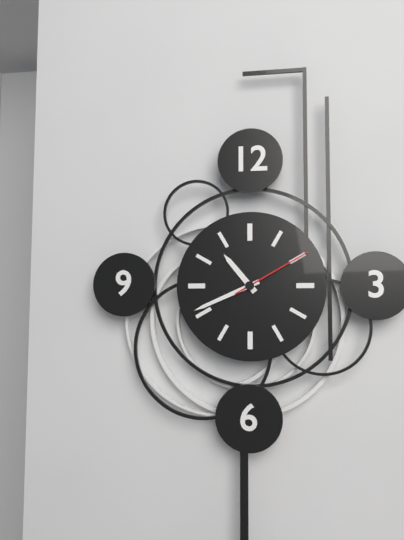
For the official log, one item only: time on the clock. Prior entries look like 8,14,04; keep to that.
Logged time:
10,41,10
